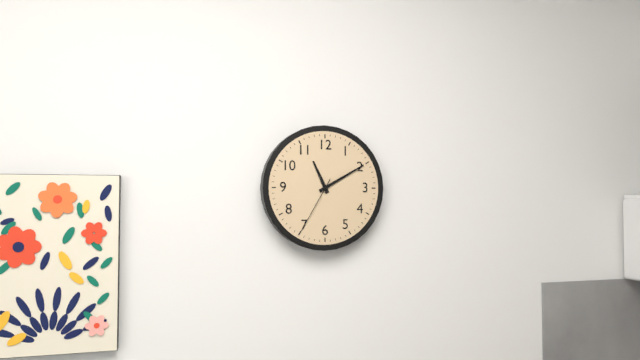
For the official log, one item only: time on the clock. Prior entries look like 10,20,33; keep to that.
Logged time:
11,10,35
